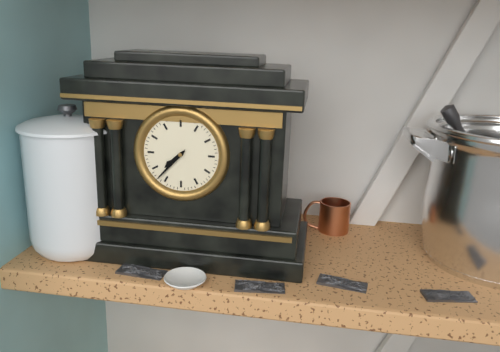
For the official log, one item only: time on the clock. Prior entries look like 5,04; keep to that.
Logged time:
7,37
